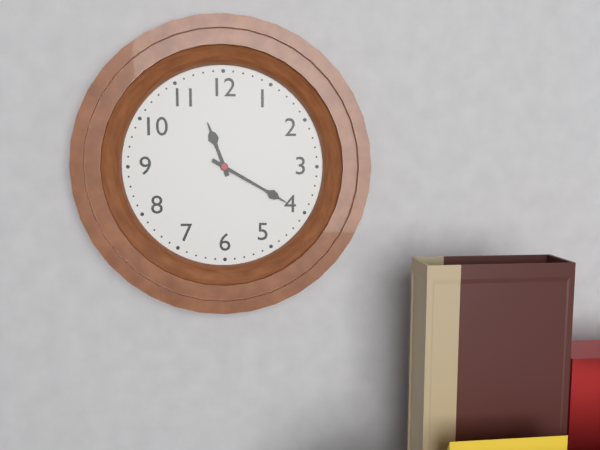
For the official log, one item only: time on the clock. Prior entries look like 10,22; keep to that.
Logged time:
11,20
